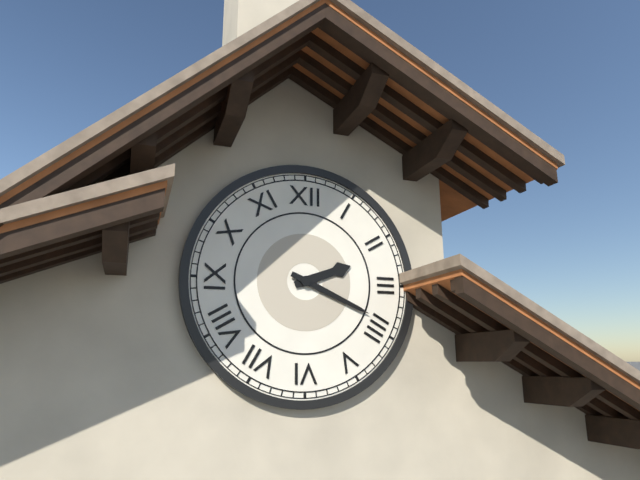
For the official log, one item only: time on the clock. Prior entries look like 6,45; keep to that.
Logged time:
2,19
